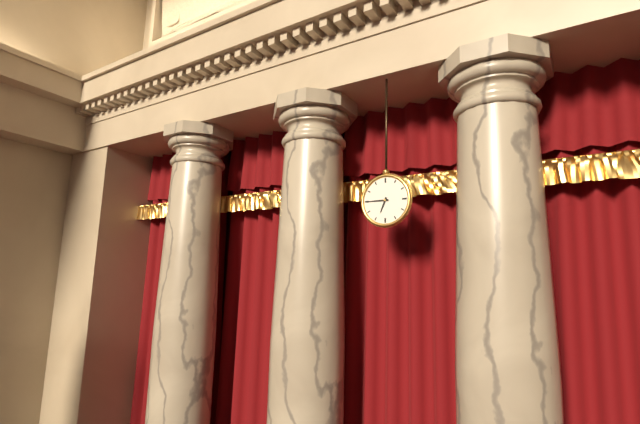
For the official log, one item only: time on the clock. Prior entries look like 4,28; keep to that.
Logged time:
6,45
